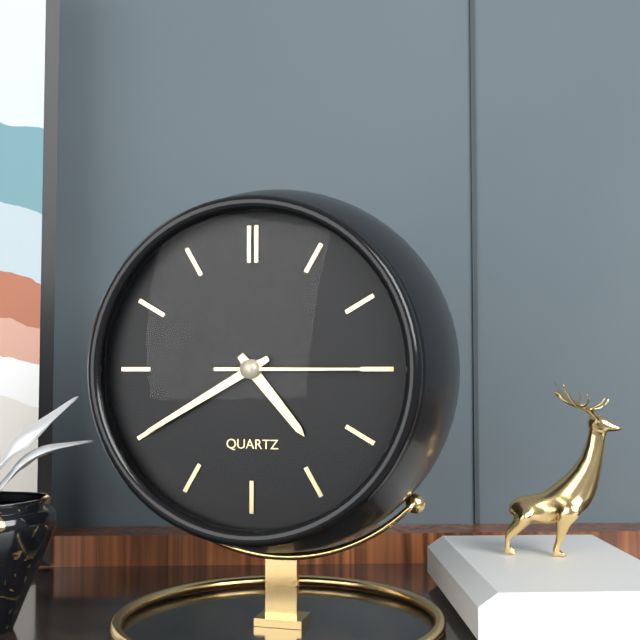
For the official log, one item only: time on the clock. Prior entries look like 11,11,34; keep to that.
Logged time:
4,40,15
